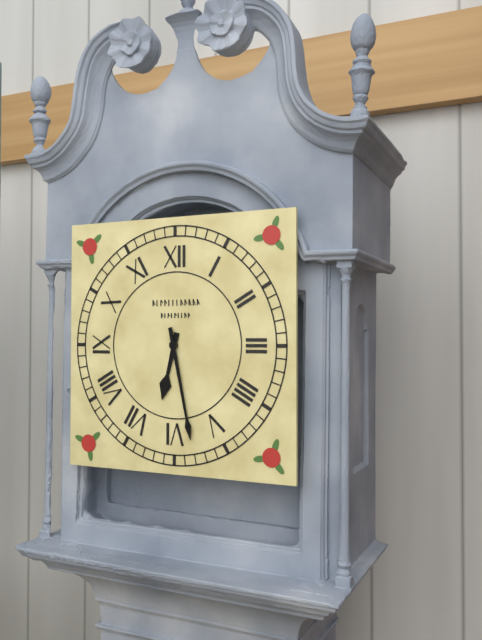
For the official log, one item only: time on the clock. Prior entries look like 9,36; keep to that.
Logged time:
6,28
